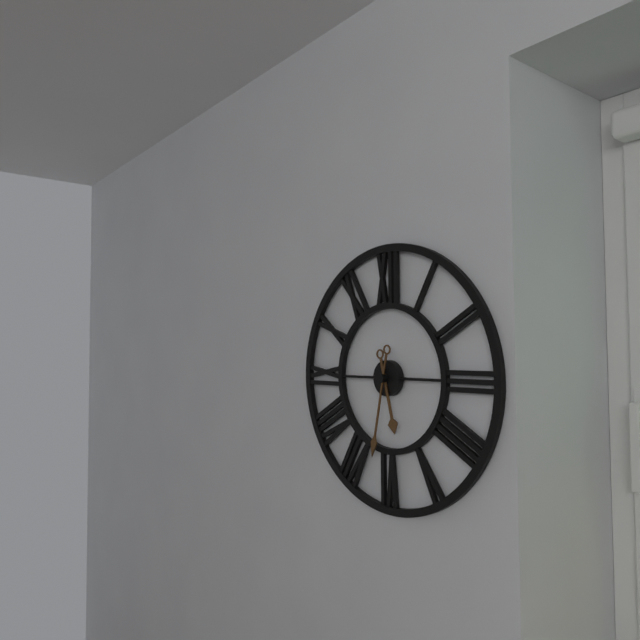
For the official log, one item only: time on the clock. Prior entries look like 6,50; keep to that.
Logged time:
5,32
